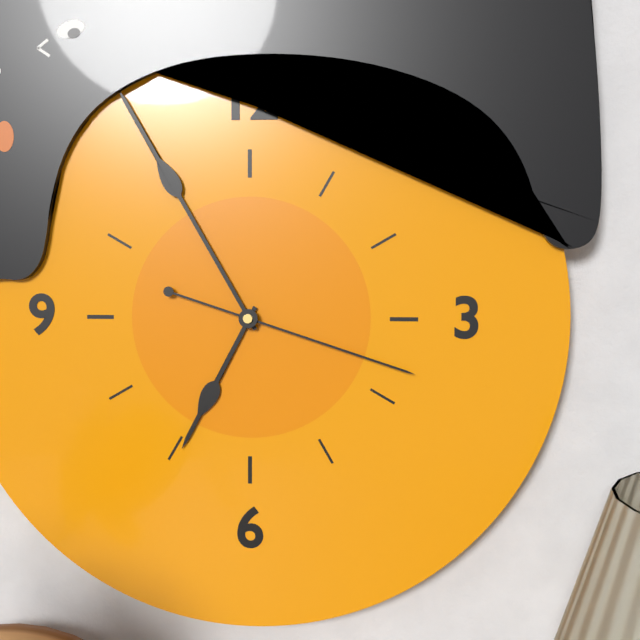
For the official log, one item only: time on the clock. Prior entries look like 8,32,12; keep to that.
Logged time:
6,55,18
